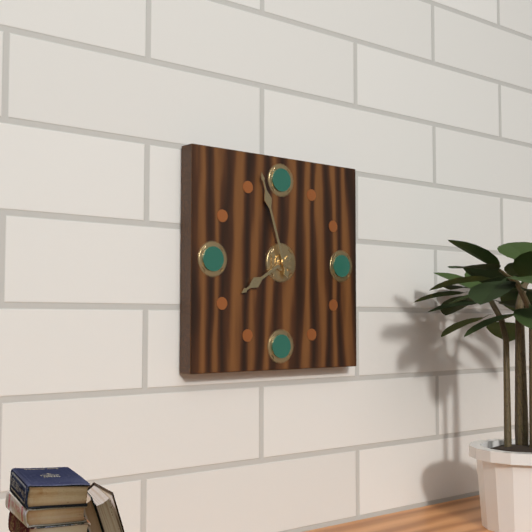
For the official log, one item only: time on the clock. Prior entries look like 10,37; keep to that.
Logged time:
7,57
